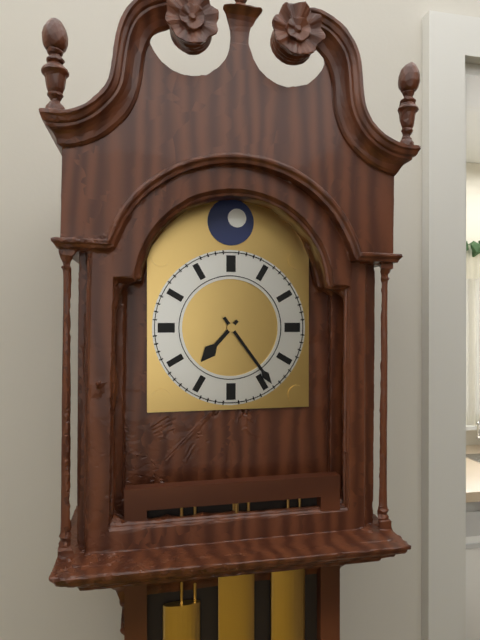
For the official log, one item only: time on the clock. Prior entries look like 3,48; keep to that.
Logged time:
7,24
